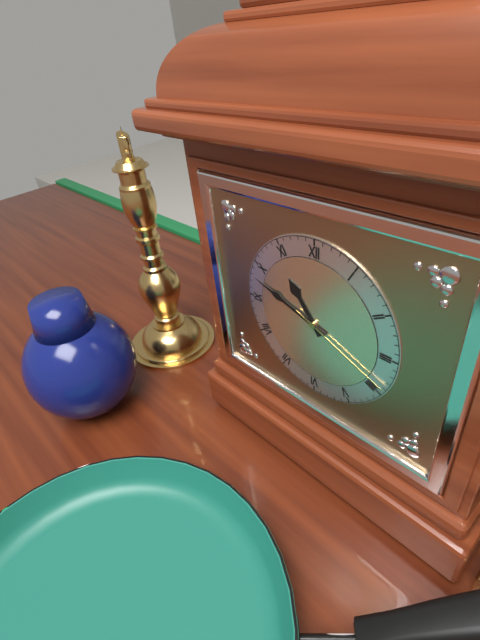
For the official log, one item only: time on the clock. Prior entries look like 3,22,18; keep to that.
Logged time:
10,48,19
